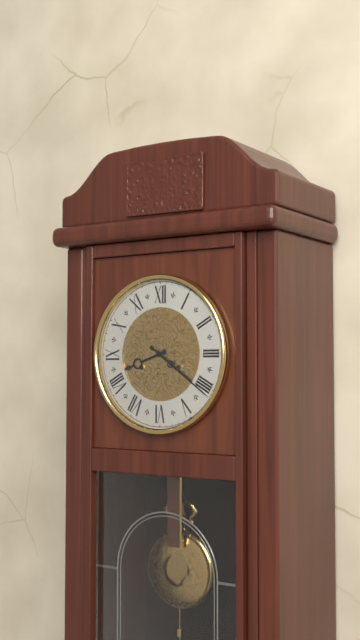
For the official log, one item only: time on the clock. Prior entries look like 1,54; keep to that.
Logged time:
8,21
